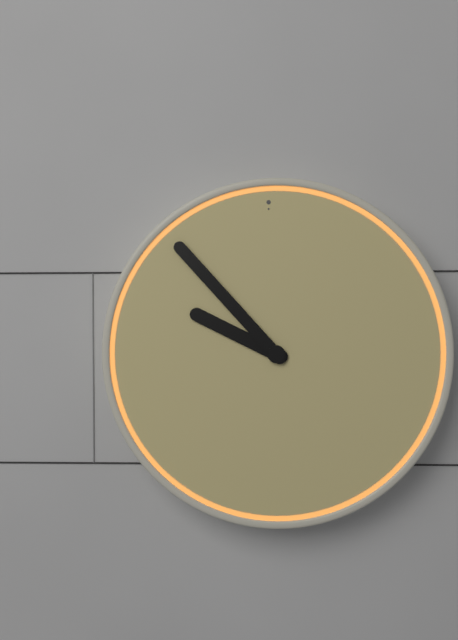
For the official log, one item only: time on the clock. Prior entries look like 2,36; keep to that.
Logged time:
9,53
